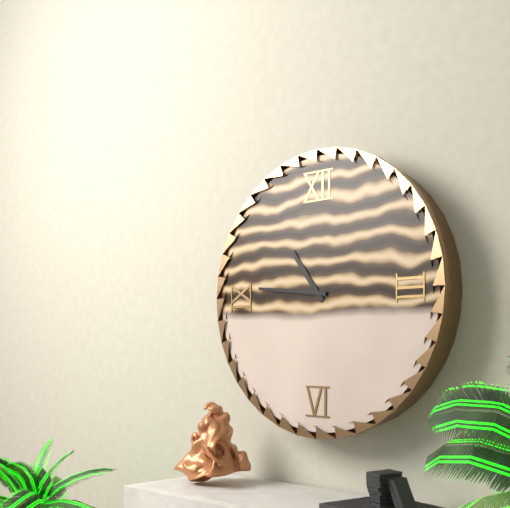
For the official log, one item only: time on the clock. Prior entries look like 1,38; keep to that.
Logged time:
10,46
